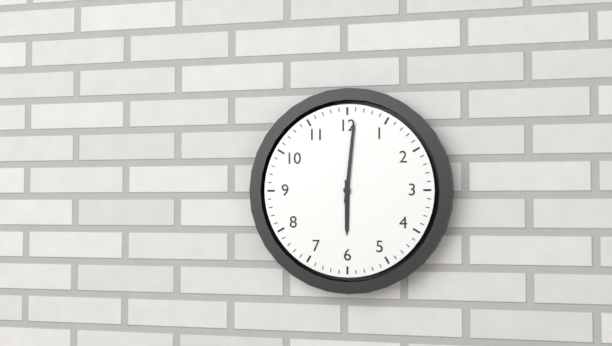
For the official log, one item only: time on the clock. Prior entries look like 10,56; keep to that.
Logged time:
6,01
